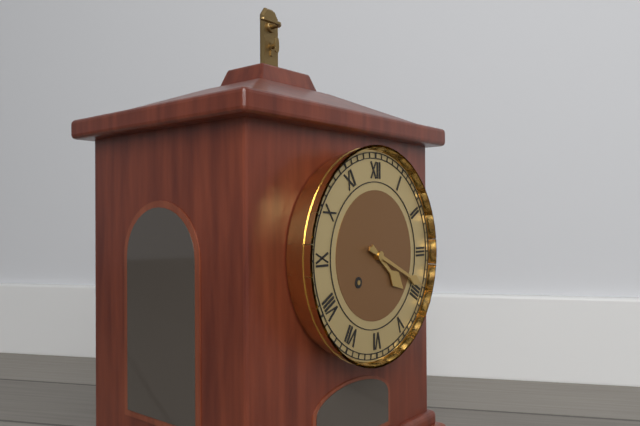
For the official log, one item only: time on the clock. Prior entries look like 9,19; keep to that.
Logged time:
4,19
